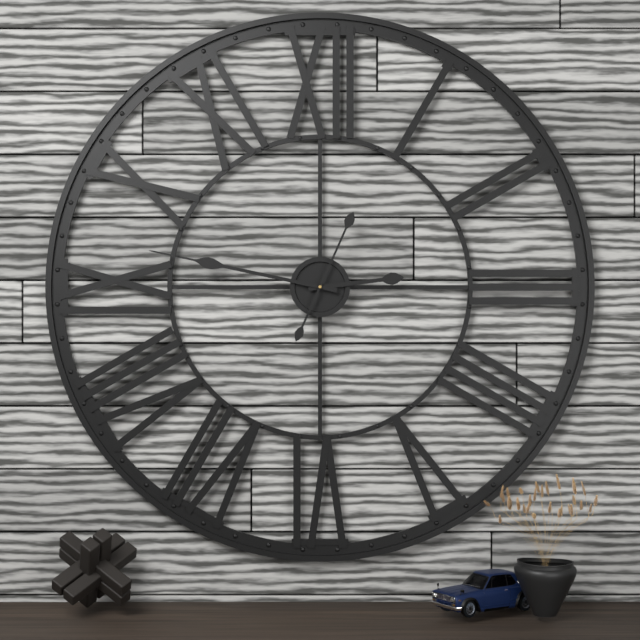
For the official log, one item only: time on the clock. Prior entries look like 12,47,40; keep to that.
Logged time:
2,47,04
